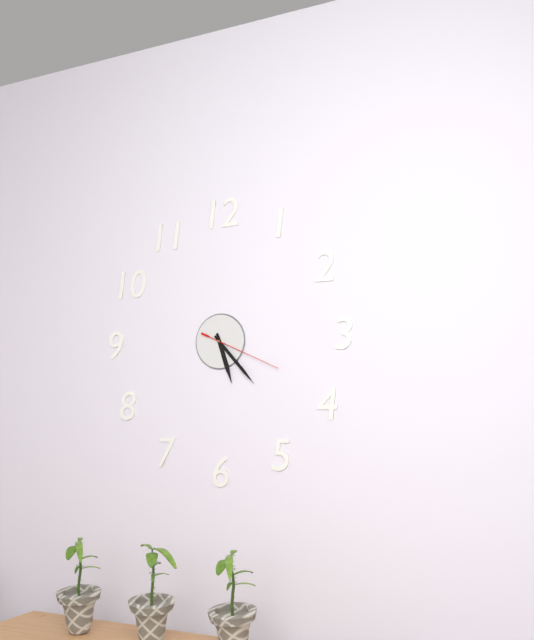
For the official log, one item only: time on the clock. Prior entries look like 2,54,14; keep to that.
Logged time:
5,23,19
